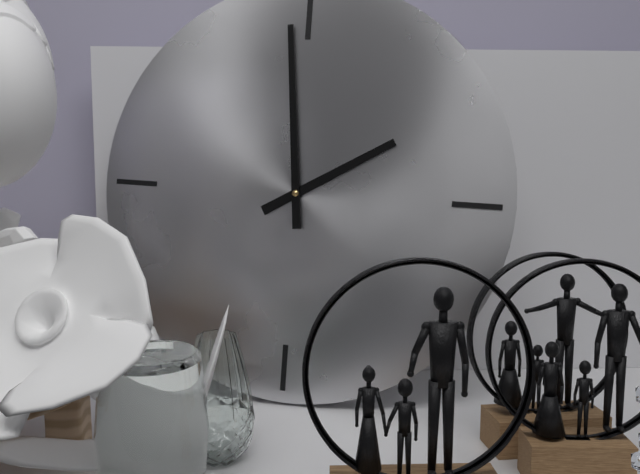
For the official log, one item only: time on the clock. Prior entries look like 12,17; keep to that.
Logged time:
1,59
